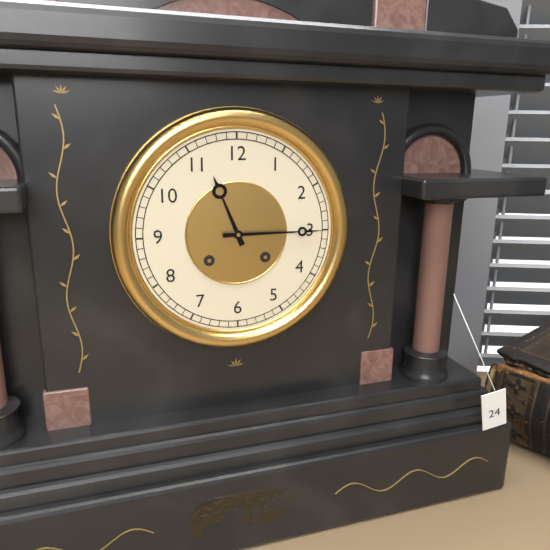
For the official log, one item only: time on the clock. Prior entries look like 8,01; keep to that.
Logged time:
11,15
